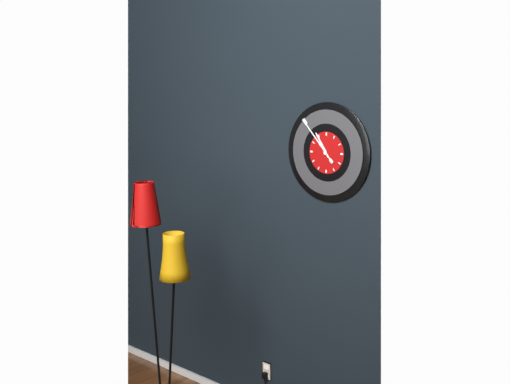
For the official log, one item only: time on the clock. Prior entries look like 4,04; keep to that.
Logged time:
10,53
